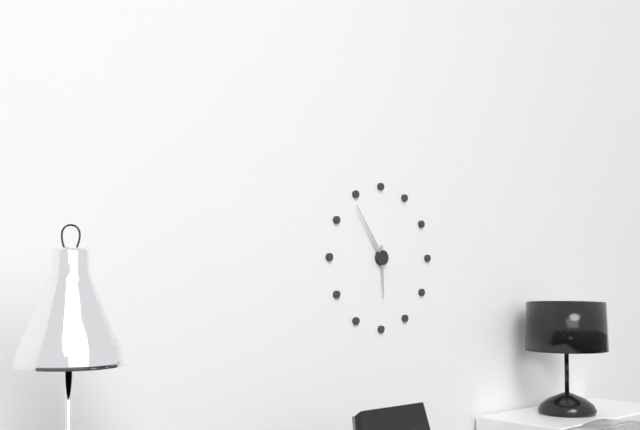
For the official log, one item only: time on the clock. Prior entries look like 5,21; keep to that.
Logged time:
5,54
